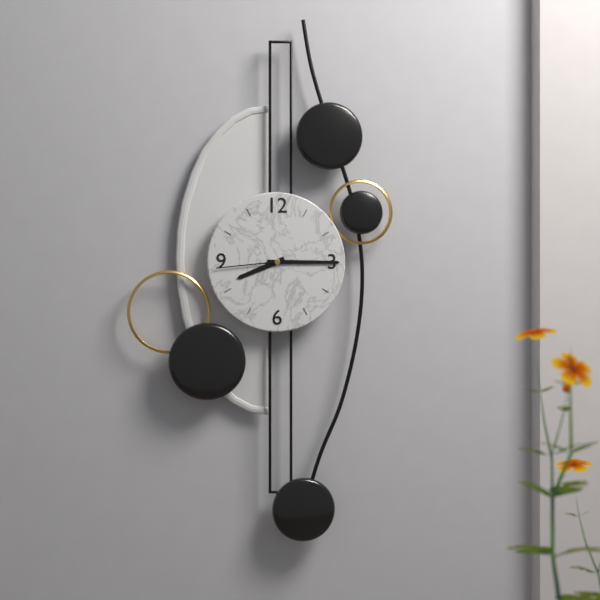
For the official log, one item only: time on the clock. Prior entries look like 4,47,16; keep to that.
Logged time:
8,15,44
